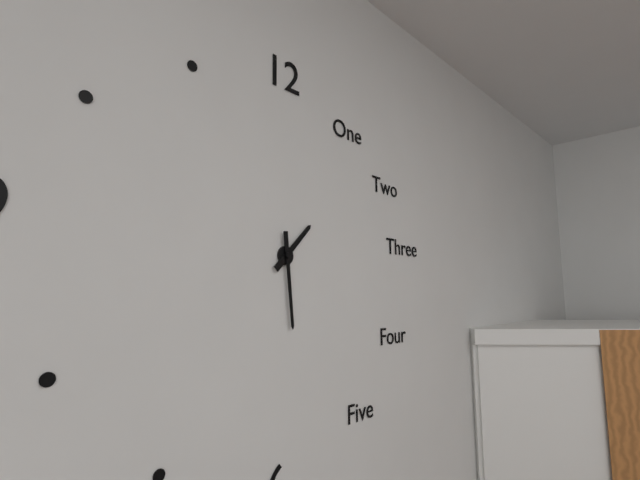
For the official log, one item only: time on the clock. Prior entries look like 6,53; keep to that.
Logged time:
1,29
